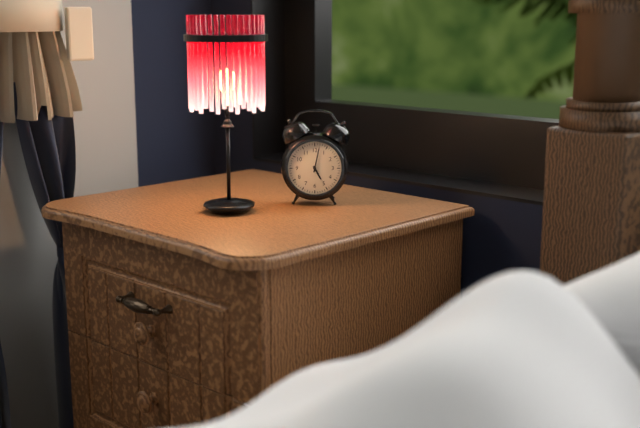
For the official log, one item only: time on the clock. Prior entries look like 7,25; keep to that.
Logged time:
5,02
